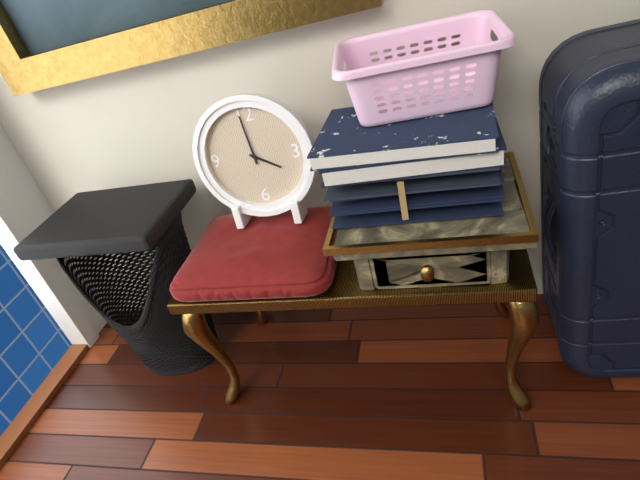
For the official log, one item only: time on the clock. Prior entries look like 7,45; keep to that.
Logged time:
3,59
